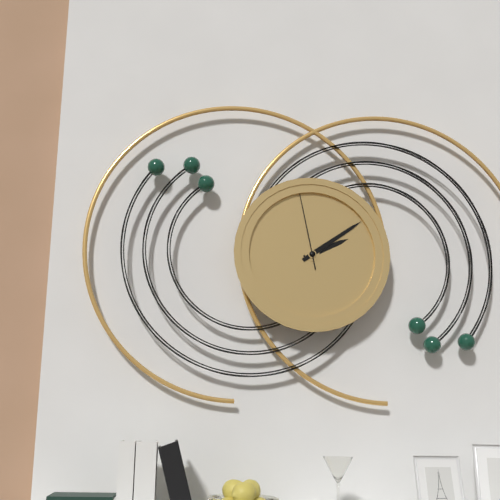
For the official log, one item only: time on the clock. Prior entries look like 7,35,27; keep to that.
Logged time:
2,09,58
